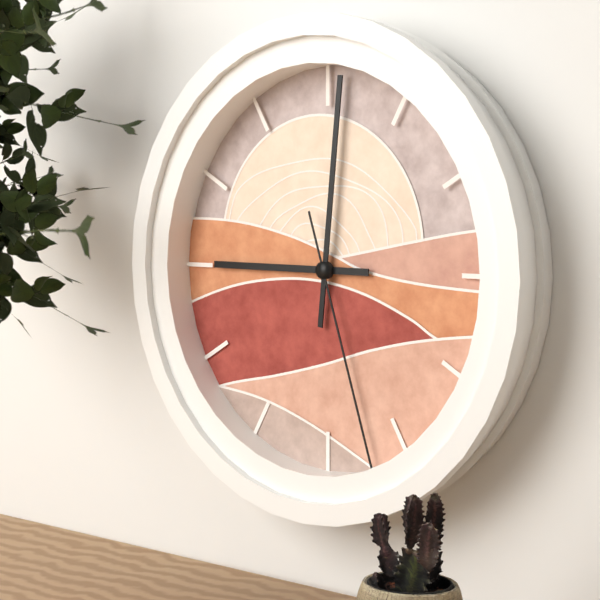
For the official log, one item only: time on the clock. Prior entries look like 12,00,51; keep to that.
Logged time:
9,01,27
